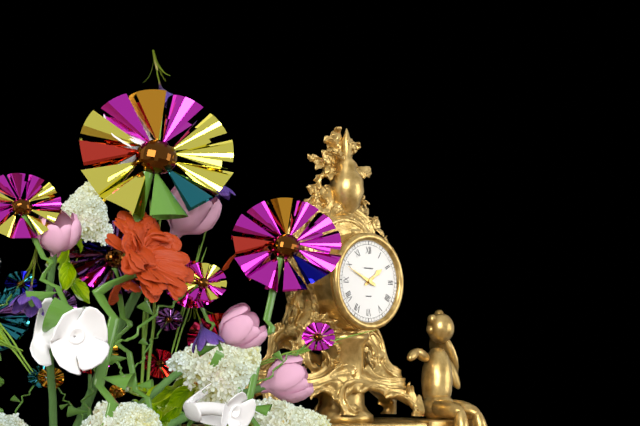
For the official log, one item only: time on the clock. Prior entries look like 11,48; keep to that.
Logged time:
1,49
